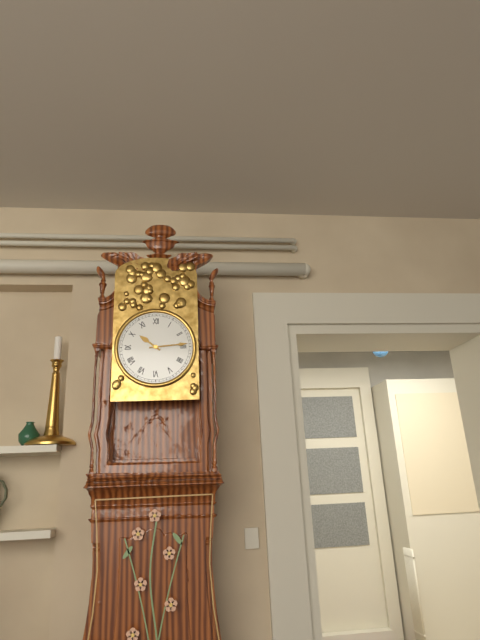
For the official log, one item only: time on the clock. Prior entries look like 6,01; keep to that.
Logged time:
10,14
